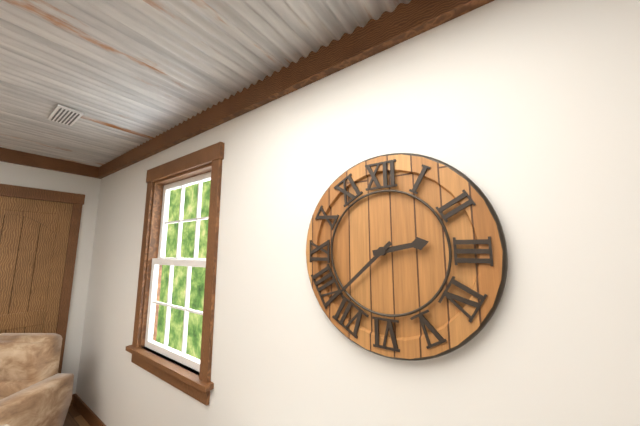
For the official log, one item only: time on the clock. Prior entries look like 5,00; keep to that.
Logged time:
2,38
